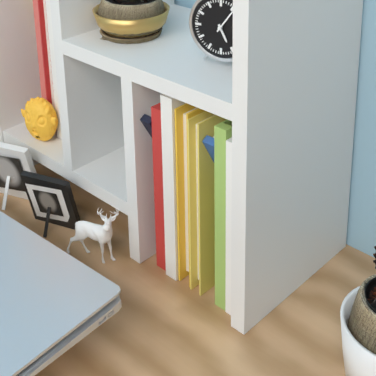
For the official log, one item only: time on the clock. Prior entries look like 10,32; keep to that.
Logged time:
5,06
